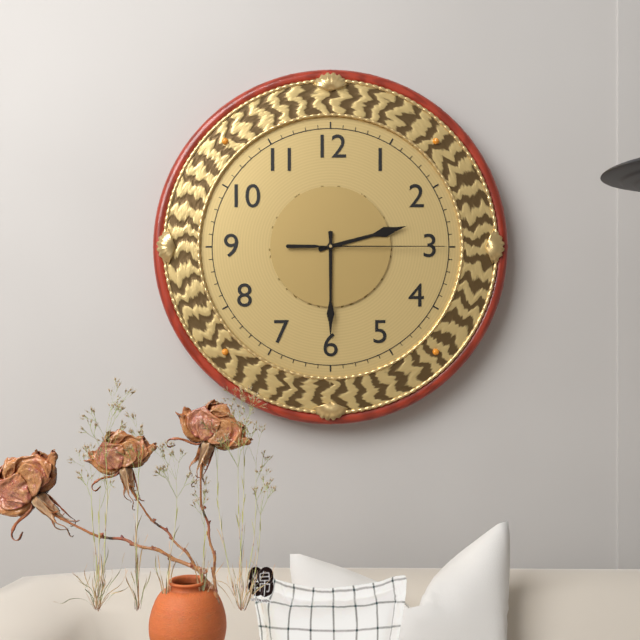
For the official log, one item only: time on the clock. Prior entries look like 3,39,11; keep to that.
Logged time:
2,30,15
